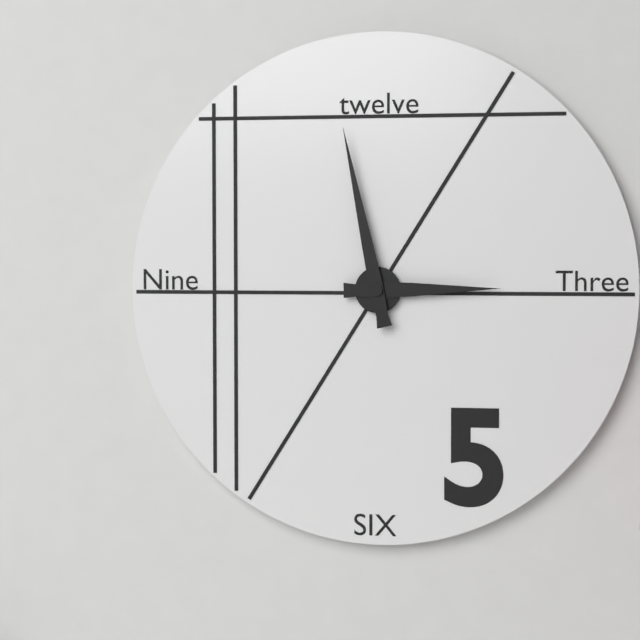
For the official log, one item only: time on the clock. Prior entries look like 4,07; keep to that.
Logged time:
2,58
